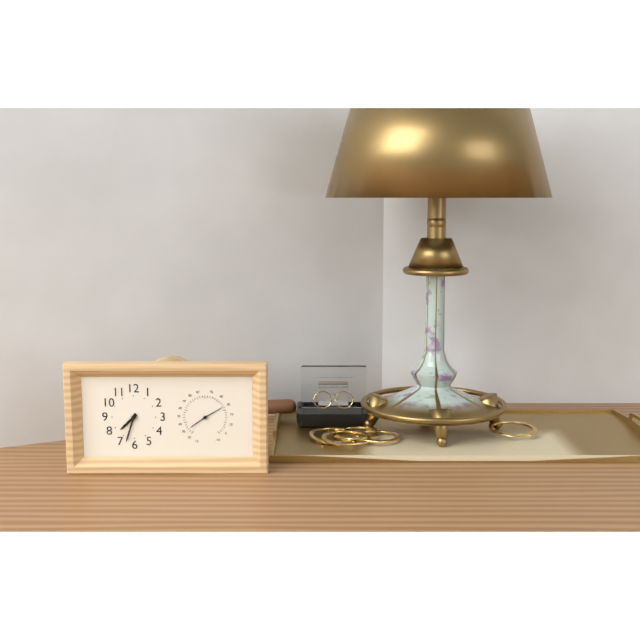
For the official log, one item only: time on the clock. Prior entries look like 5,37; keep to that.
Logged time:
7,33
